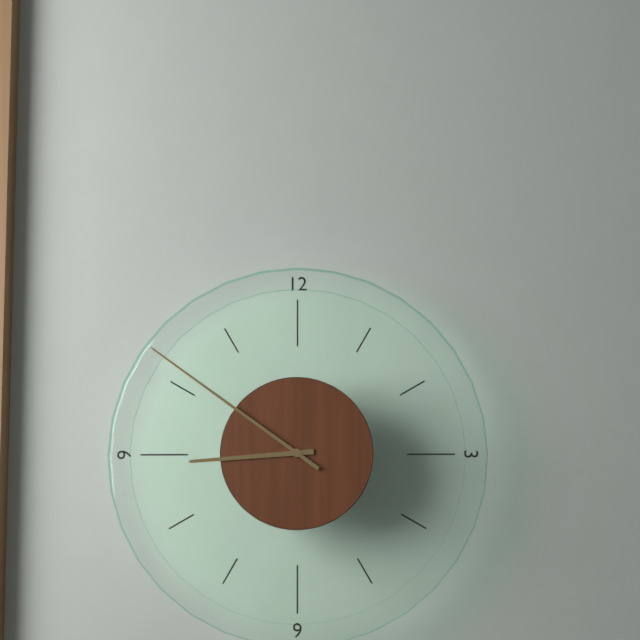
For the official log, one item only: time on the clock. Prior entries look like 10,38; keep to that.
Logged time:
8,51
